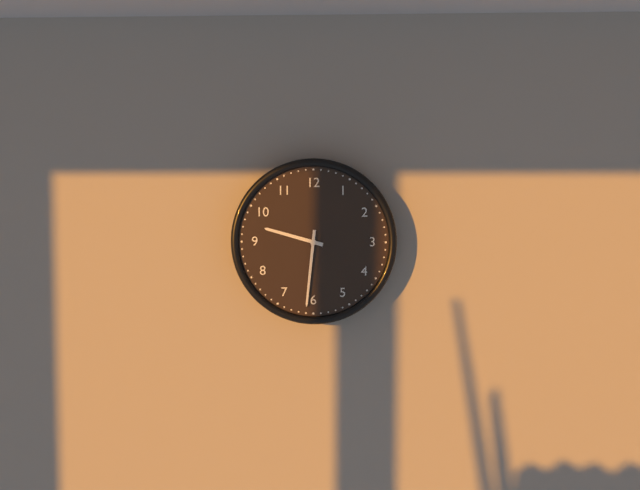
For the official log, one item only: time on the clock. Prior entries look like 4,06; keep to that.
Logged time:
9,31
